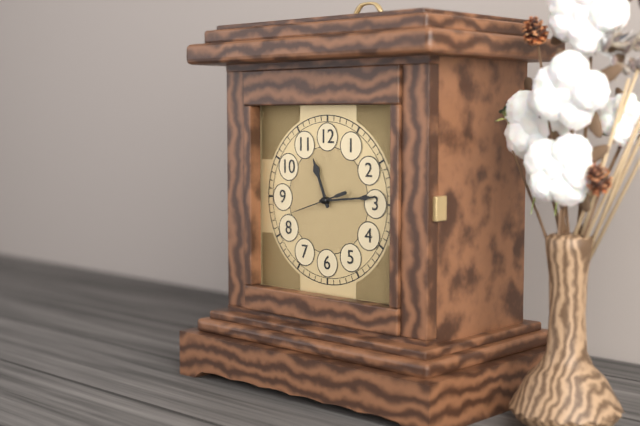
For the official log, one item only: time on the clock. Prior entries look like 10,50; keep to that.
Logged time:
11,14
